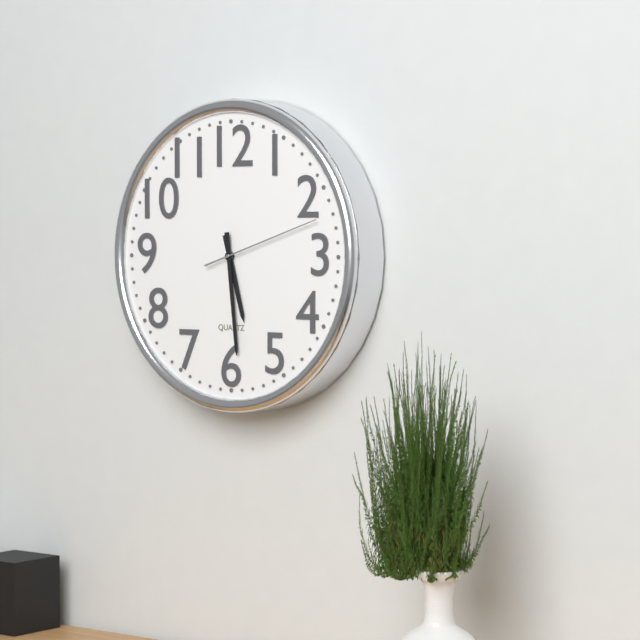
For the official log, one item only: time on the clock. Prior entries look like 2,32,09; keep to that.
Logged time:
5,29,12
